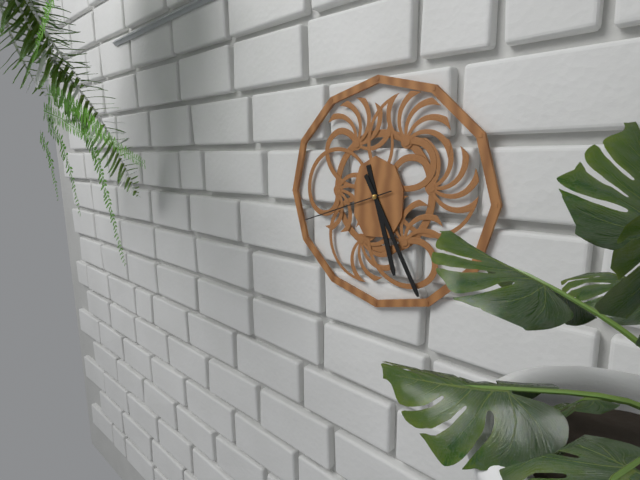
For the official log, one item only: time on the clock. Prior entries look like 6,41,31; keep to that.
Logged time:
5,25,42
